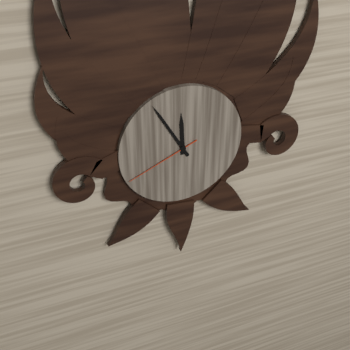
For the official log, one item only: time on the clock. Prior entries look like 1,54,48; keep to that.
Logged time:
11,55,41
